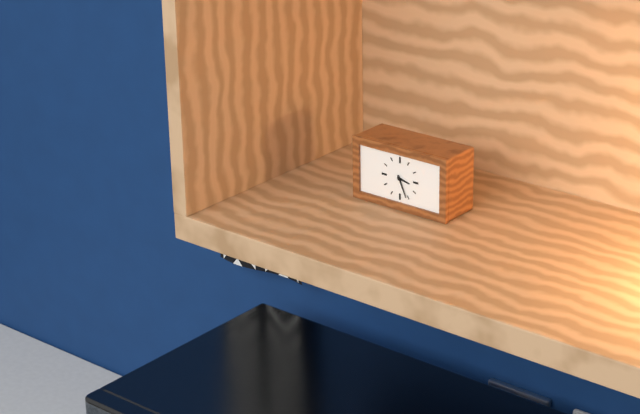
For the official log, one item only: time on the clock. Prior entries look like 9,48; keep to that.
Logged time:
3,26
